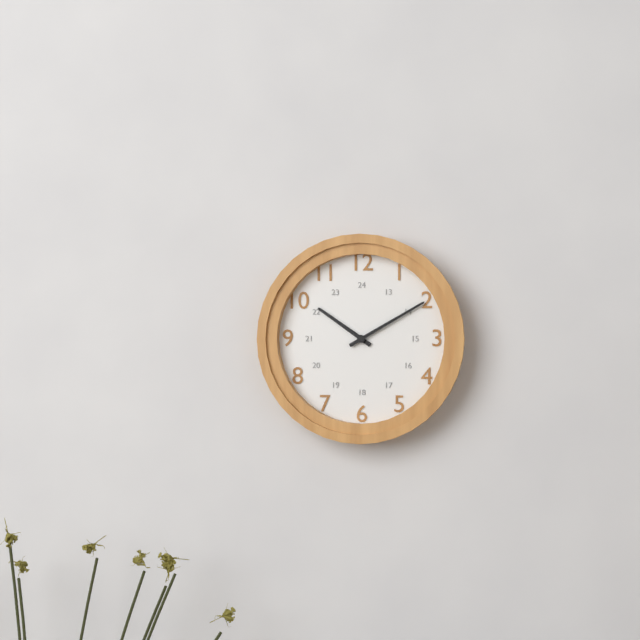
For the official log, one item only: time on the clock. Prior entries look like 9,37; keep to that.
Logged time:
10,10
